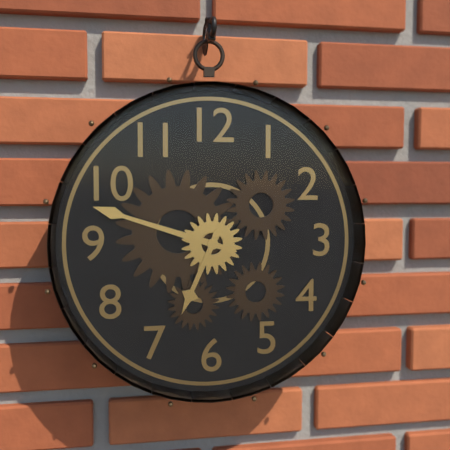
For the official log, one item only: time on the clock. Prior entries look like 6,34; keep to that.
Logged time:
6,48
